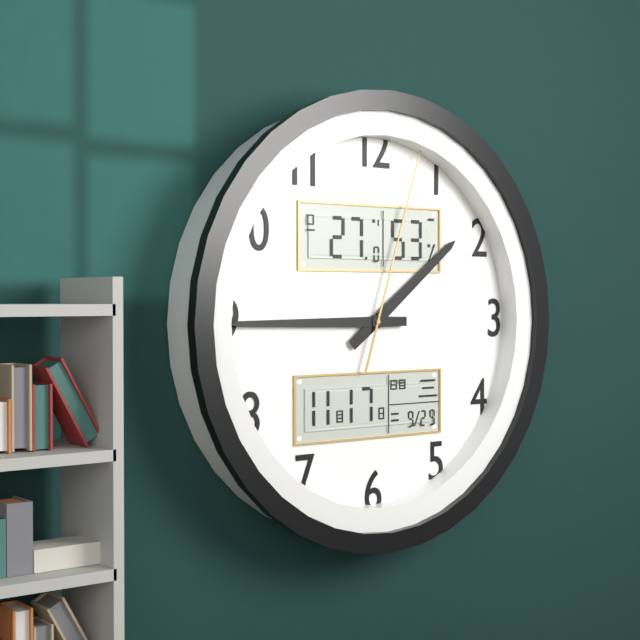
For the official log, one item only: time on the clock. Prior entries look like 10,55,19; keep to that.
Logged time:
1,45,03
